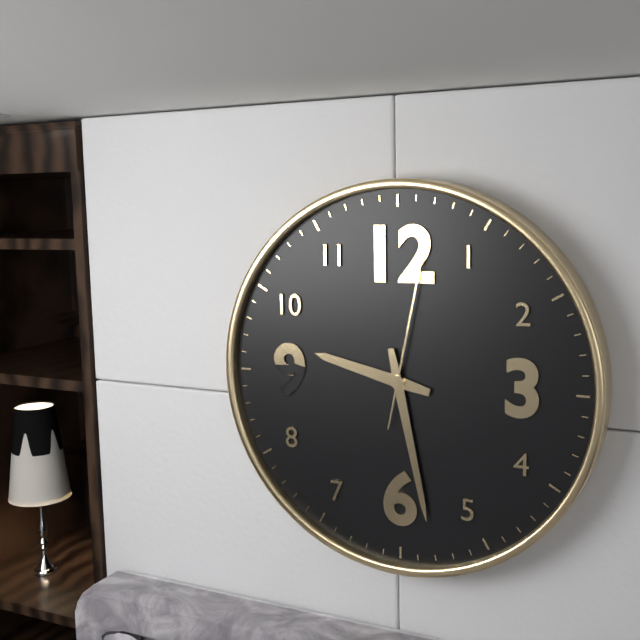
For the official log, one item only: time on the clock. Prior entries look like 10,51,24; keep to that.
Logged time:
9,28,02
